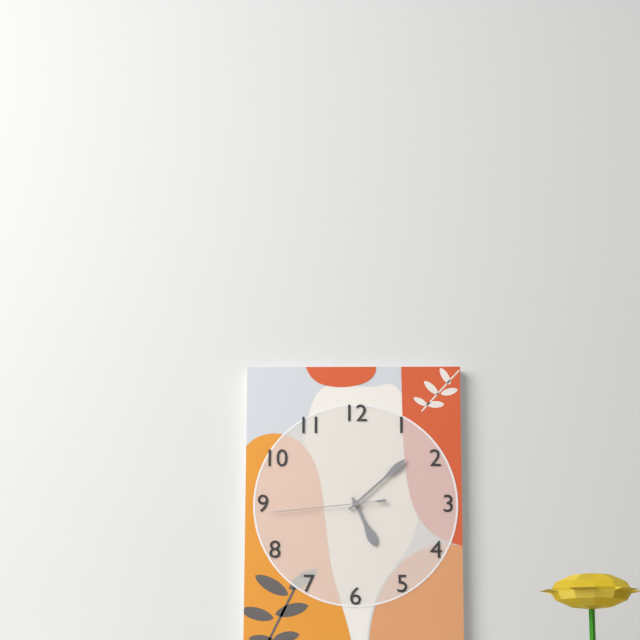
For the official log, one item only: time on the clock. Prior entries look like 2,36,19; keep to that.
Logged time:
5,08,44
